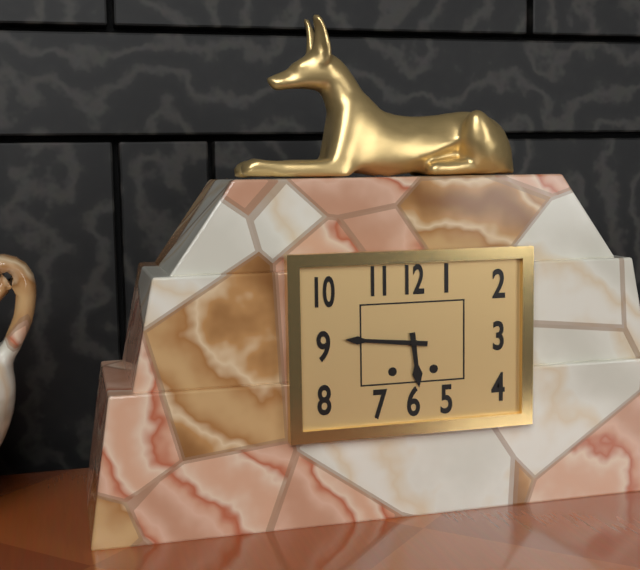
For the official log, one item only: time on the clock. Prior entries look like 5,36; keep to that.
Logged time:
5,46
